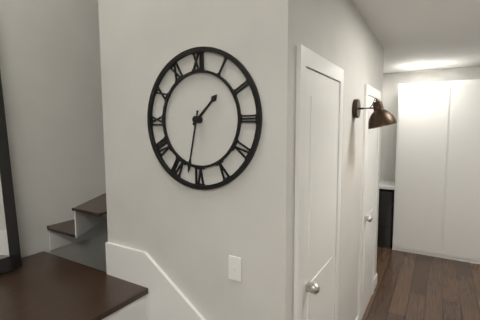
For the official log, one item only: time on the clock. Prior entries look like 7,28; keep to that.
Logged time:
1,32
